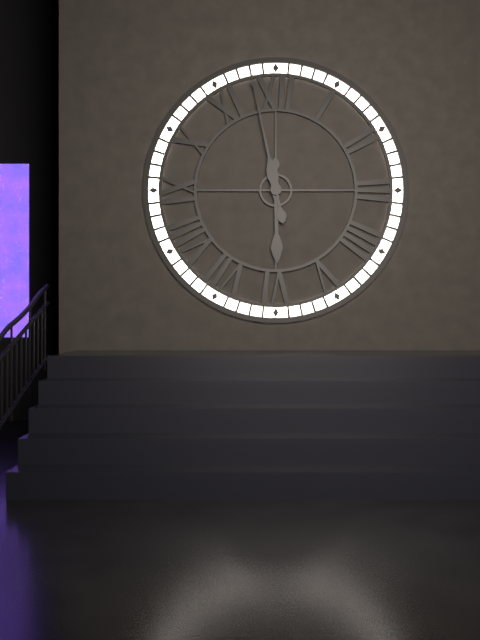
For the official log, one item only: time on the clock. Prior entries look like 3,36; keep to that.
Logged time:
5,58
